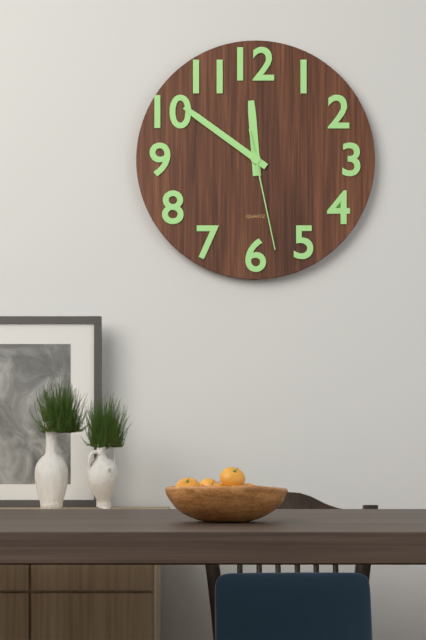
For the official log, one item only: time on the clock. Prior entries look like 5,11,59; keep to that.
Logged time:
11,51,28
